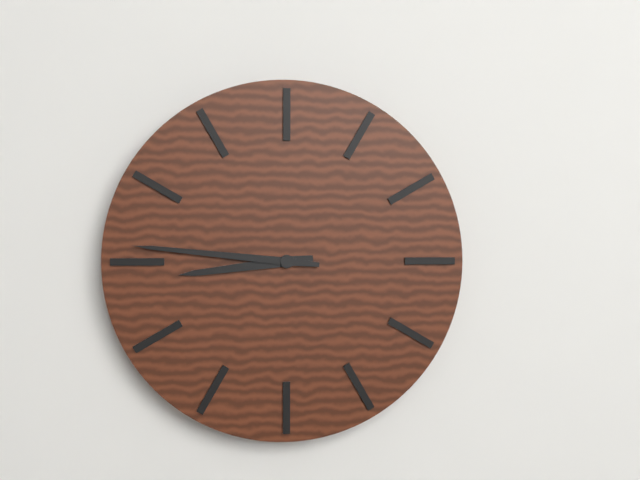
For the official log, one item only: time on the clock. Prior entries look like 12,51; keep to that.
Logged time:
8,46
